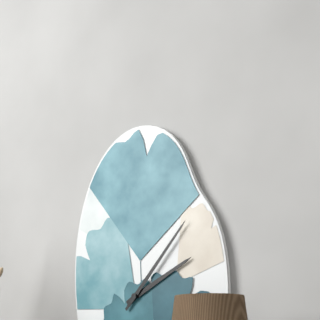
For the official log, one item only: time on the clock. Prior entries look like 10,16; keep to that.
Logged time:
2,07
